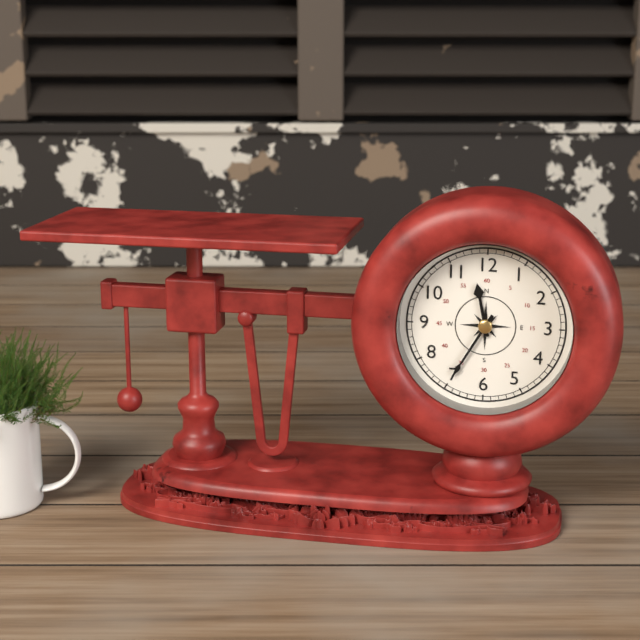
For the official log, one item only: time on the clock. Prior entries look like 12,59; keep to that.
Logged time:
11,35
